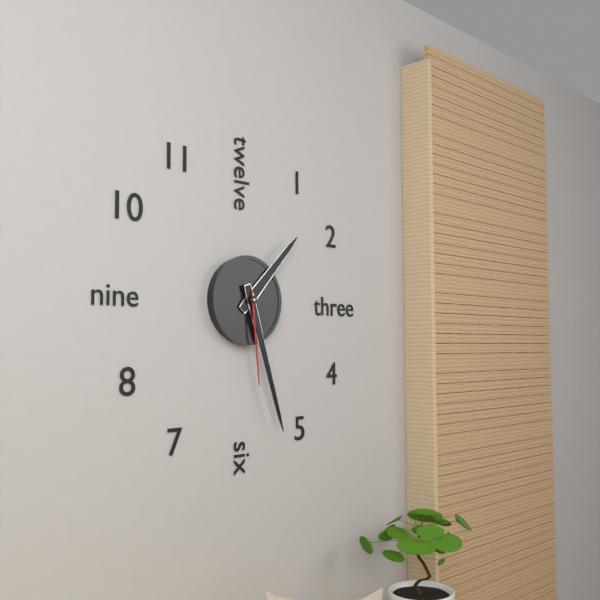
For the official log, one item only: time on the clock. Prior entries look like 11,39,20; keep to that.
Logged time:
1,27,29
